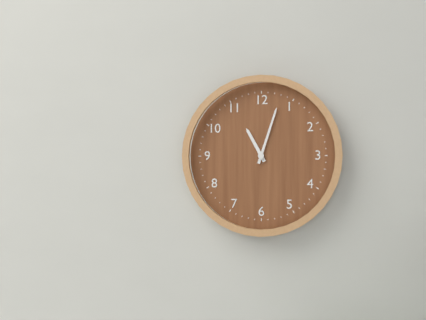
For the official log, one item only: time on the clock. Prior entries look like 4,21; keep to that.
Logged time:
11,03
